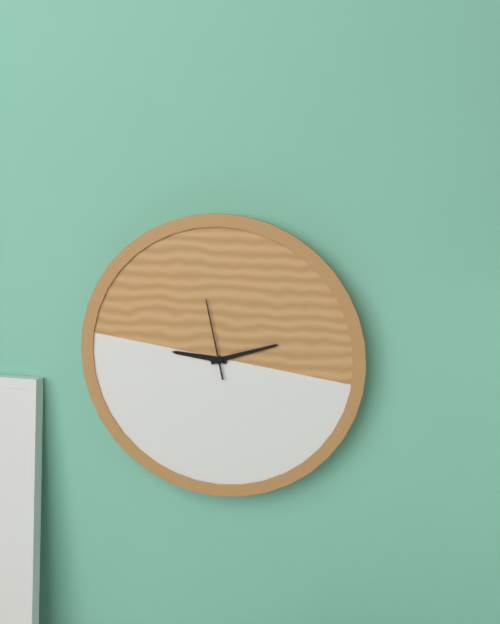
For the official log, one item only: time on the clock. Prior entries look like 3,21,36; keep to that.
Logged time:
9,12,58
